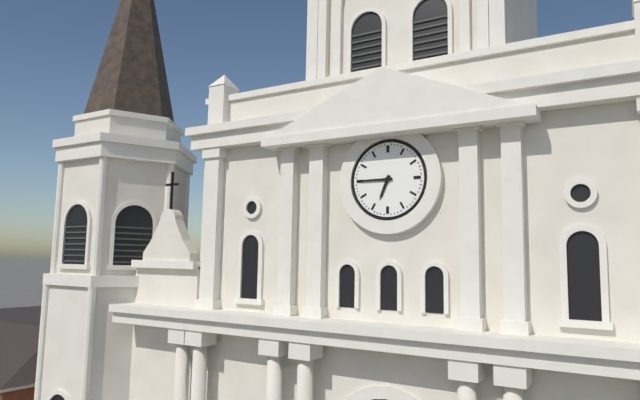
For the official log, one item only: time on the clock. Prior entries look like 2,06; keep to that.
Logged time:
6,45
